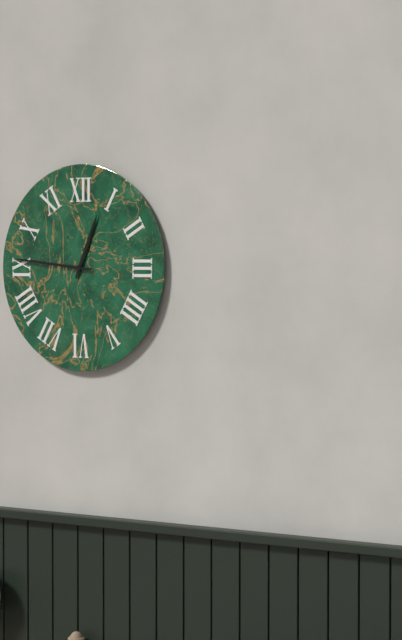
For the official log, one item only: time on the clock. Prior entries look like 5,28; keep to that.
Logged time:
12,46
